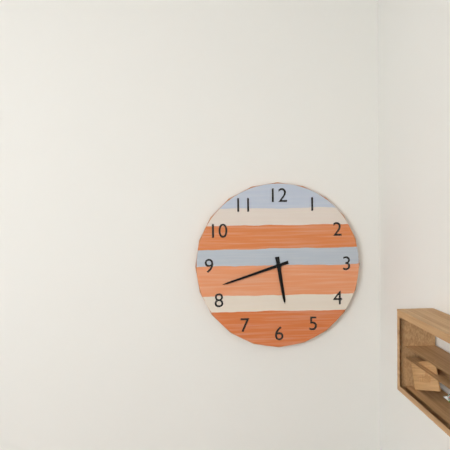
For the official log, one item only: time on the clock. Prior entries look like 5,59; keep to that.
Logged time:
5,42
